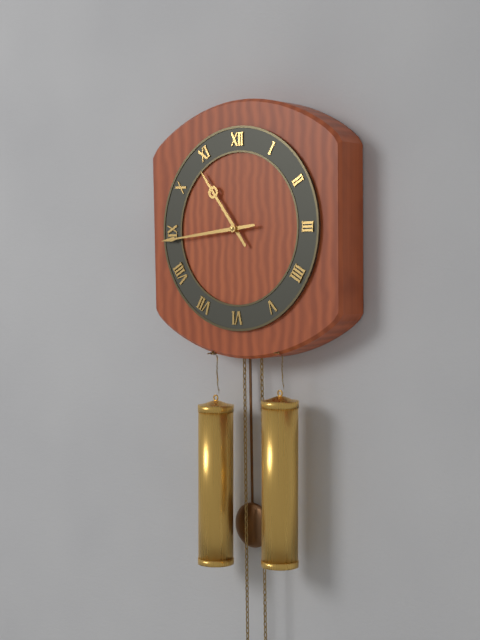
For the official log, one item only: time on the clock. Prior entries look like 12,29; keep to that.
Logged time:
10,44
